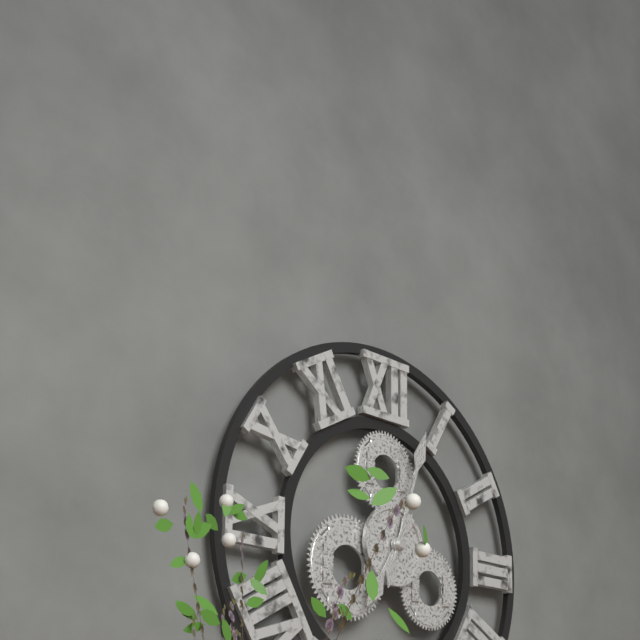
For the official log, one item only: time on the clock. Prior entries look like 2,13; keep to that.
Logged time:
7,03
